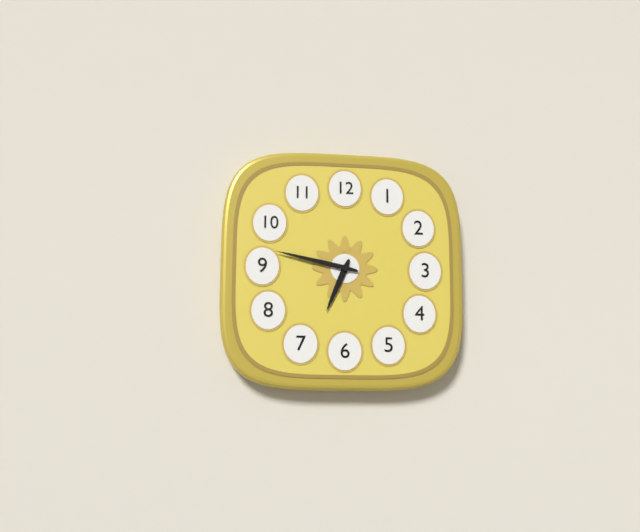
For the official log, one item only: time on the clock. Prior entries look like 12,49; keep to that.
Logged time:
6,47
